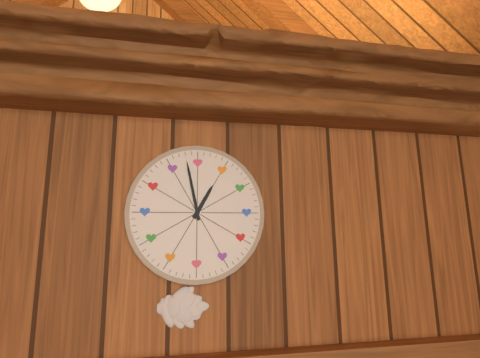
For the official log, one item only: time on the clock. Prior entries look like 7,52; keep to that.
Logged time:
12,58
